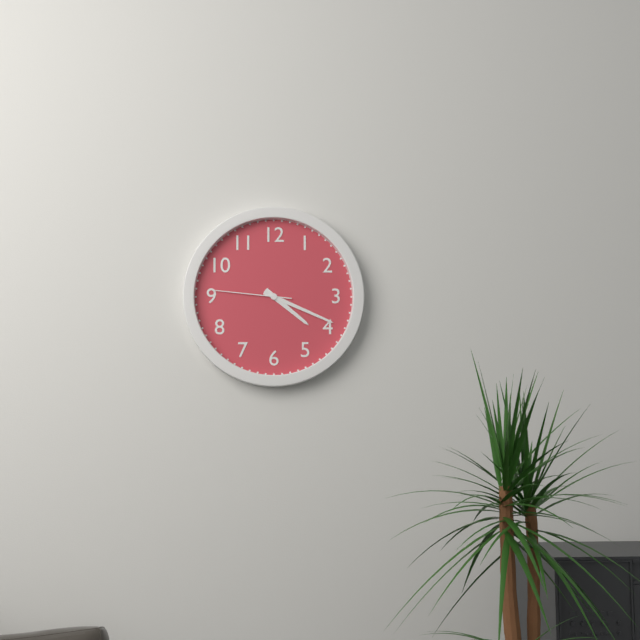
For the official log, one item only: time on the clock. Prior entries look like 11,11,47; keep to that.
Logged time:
4,19,46
